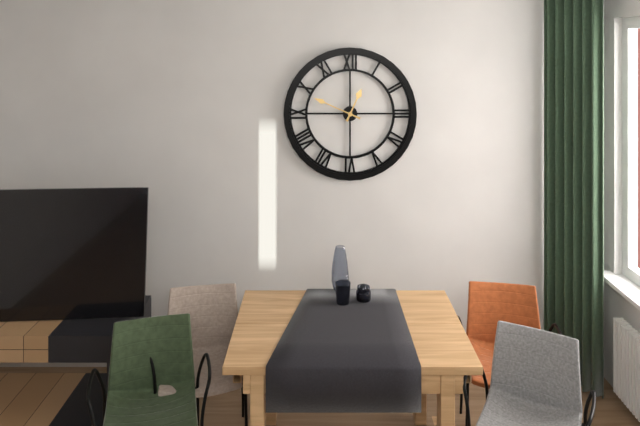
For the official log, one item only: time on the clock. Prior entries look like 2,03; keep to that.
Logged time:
12,49
